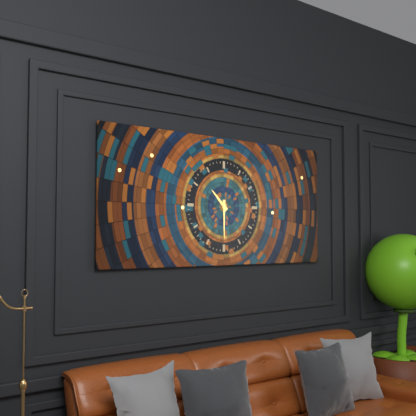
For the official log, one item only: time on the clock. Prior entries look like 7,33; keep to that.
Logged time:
10,30
